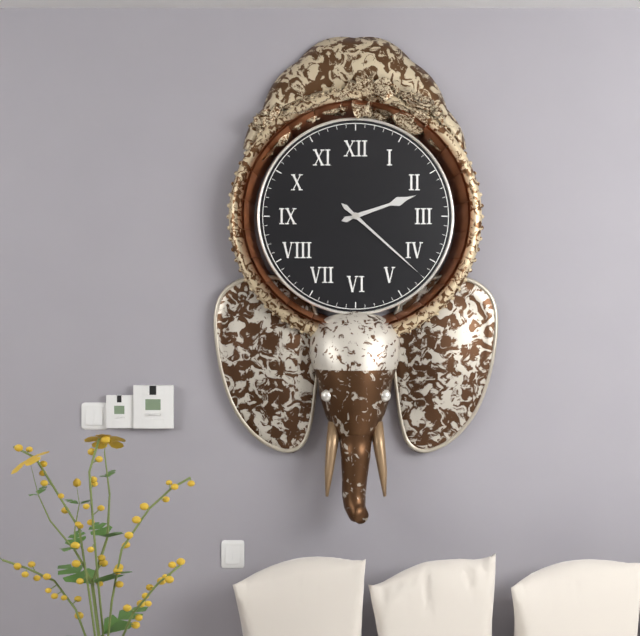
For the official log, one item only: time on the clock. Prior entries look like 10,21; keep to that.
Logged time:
2,22
